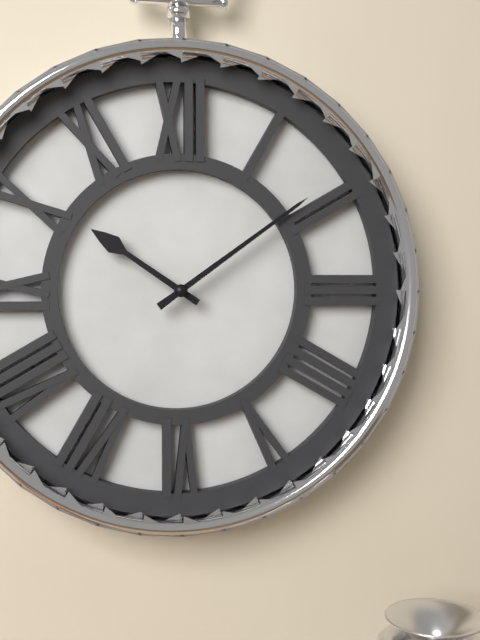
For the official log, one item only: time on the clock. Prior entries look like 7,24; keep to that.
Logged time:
10,09
